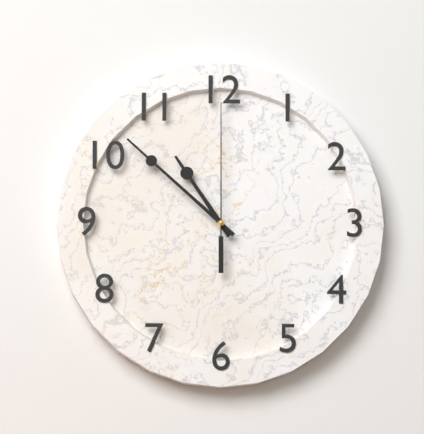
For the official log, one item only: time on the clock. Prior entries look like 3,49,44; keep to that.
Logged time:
10,52,00
